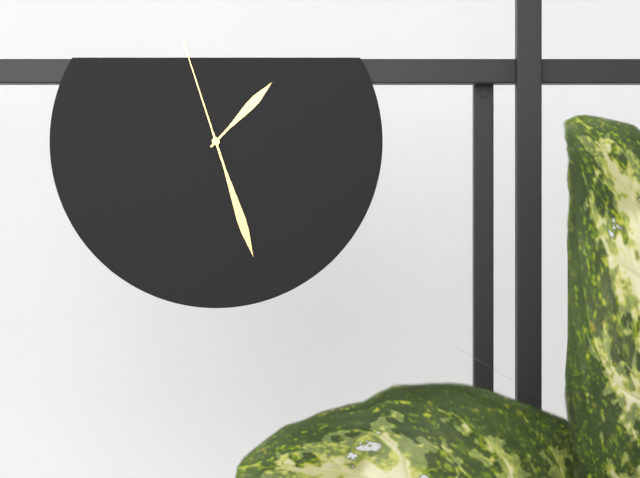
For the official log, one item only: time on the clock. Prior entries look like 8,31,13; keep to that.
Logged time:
1,27,57
